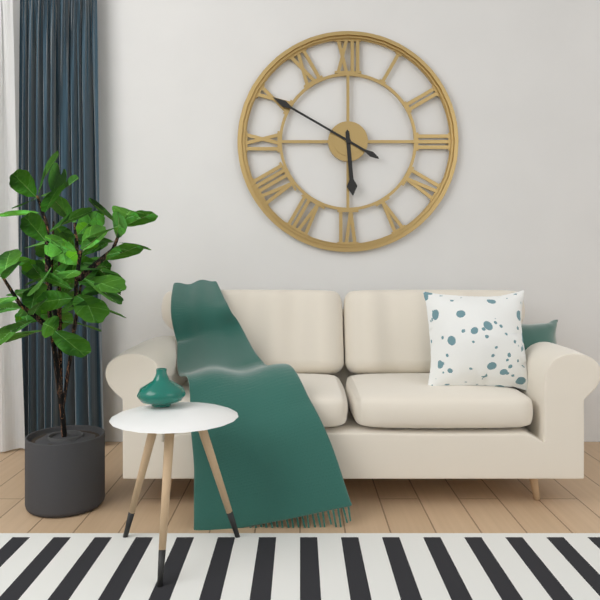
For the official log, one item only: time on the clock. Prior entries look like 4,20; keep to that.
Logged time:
5,50
